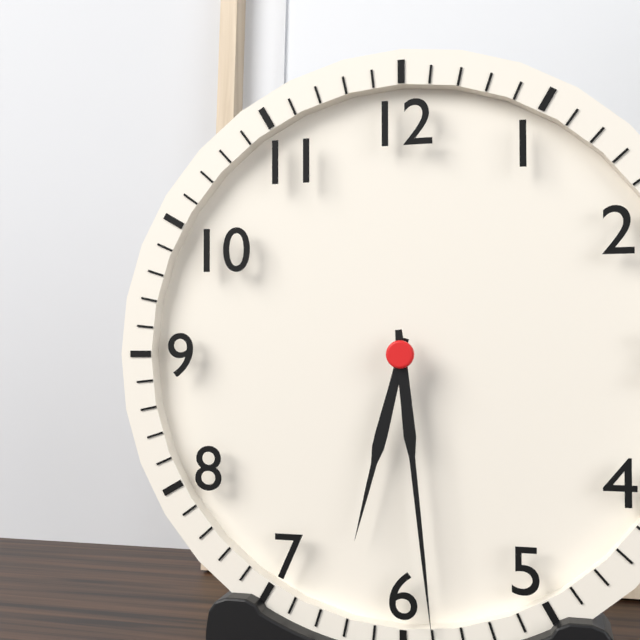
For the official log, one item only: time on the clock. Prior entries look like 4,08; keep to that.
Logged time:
6,29
